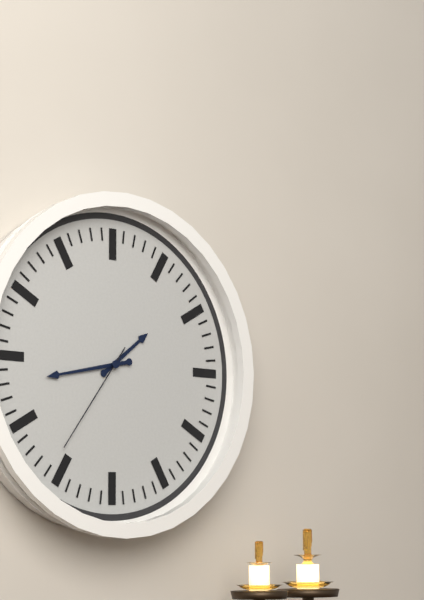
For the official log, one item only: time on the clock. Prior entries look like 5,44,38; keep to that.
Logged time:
1,43,36
